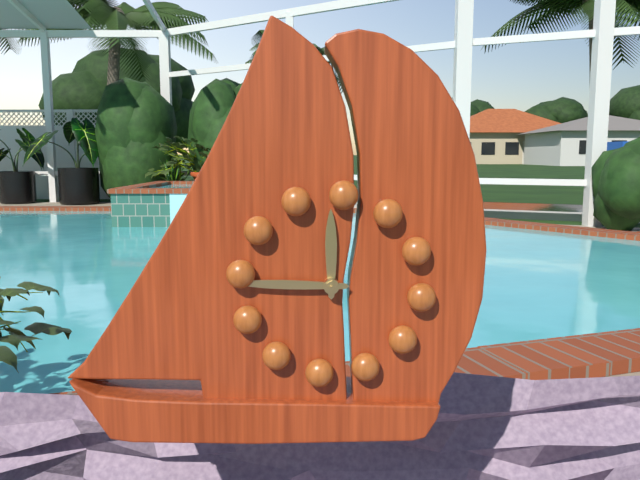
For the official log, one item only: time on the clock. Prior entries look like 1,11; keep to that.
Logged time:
11,44
